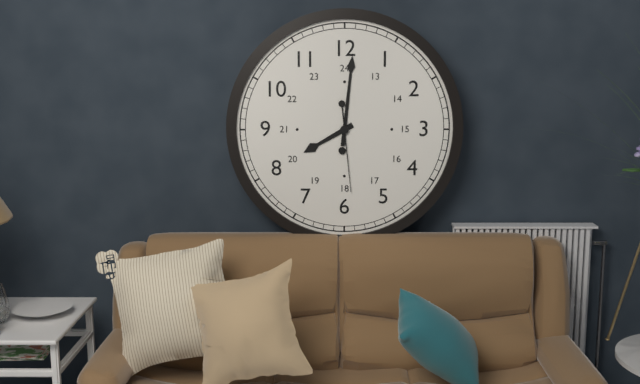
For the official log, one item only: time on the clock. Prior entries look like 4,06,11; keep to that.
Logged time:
8,01,29
